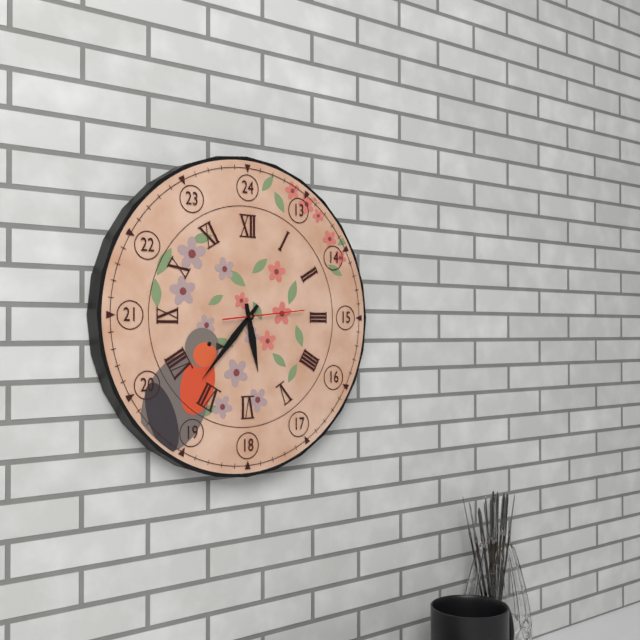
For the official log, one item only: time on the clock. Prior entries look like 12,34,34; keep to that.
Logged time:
5,37,14
